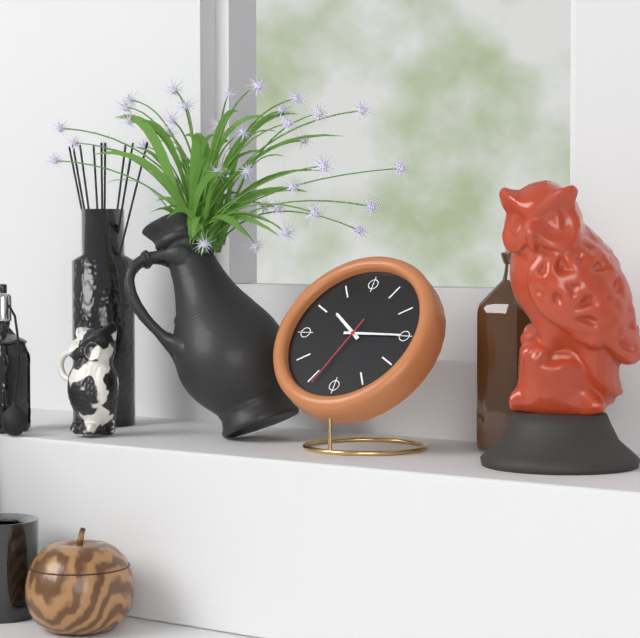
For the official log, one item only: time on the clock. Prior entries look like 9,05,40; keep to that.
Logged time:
10,15,34
